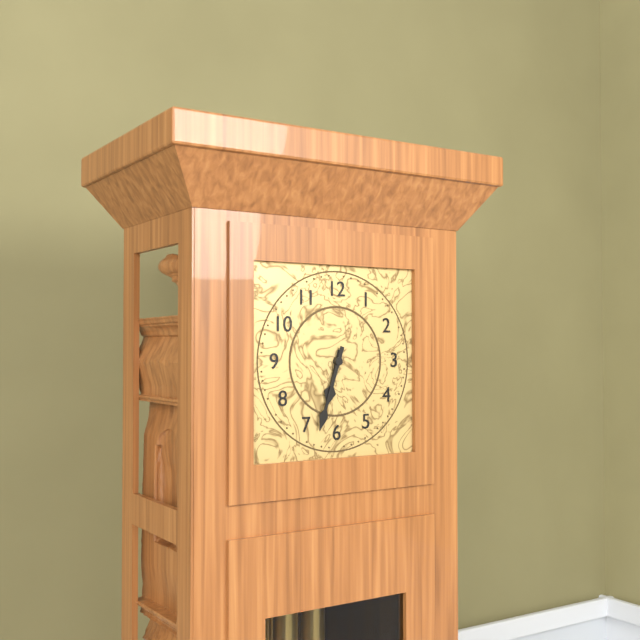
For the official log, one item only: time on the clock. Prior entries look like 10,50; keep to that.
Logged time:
6,33
